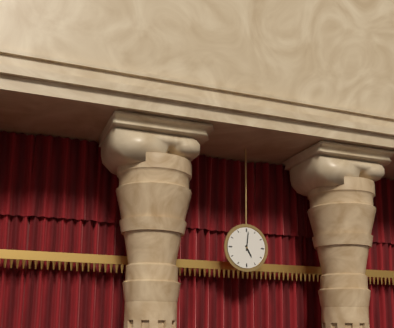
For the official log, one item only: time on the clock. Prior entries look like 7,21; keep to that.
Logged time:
5,01
